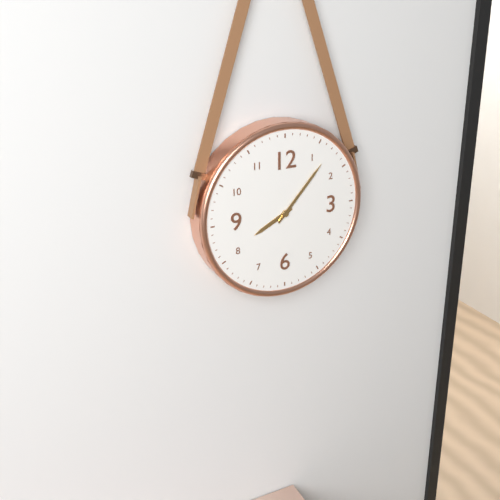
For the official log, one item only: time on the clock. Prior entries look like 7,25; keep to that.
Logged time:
8,07
